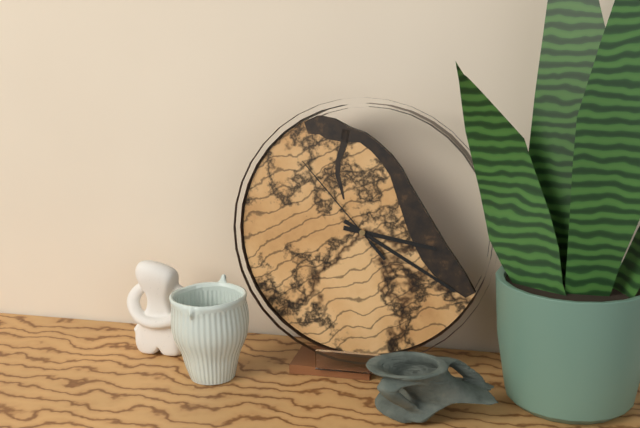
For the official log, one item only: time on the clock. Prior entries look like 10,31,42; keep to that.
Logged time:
3,20,53
